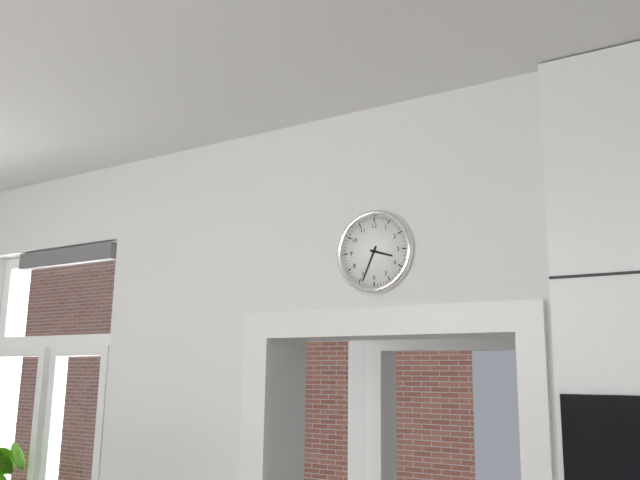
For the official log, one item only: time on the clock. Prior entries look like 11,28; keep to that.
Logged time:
3,34
